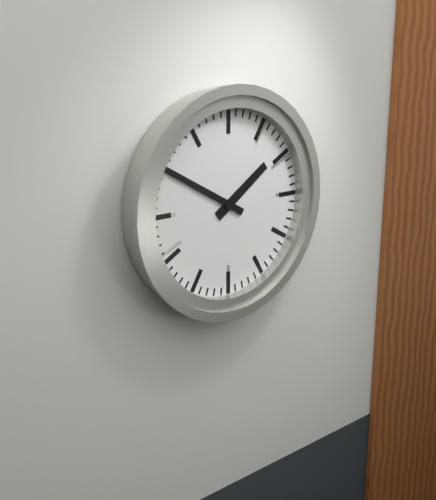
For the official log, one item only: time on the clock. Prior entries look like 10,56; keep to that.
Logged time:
1,50
